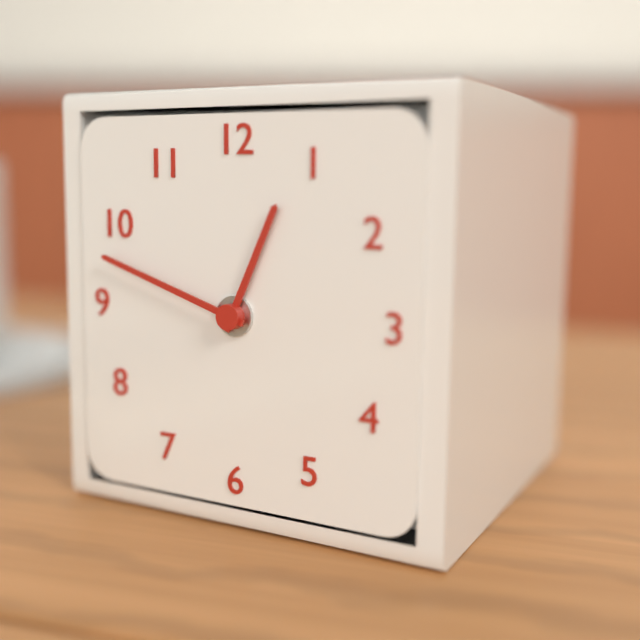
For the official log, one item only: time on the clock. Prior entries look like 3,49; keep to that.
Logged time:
12,48
